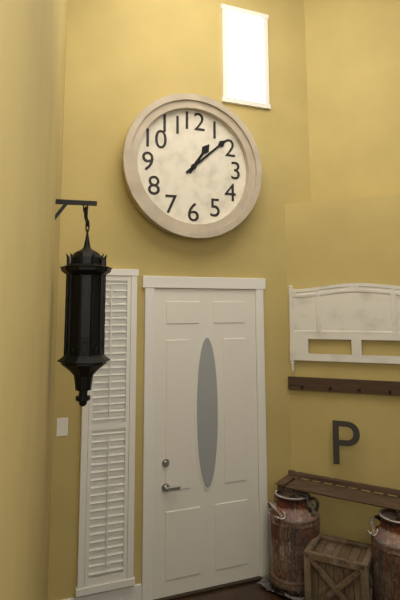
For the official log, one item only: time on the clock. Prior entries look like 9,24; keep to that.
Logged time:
1,08
